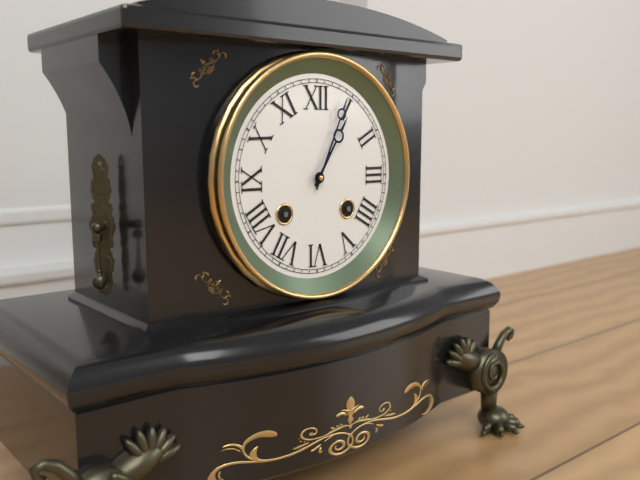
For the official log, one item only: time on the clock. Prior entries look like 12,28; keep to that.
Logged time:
1,04
